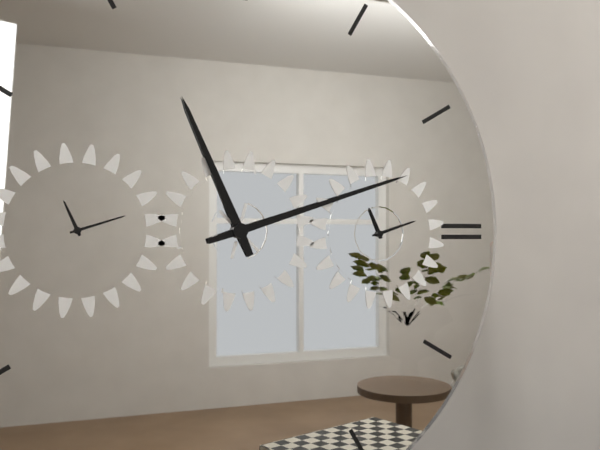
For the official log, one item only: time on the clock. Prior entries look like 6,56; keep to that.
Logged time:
11,12
